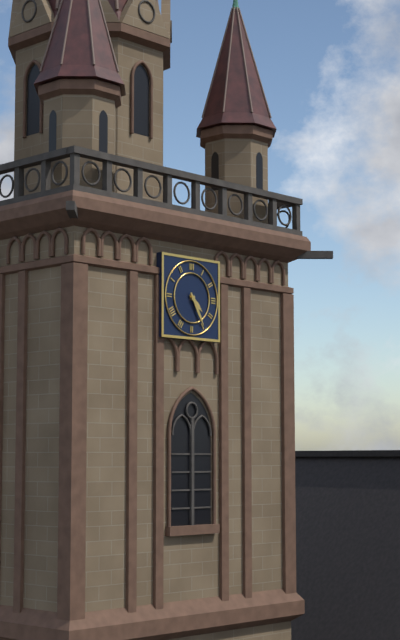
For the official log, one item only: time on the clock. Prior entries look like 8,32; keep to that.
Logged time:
4,25
